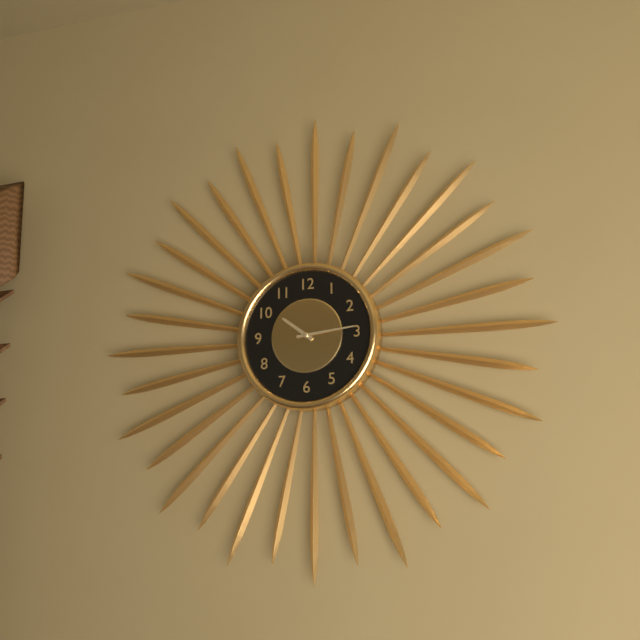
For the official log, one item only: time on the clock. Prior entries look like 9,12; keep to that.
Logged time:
10,14
